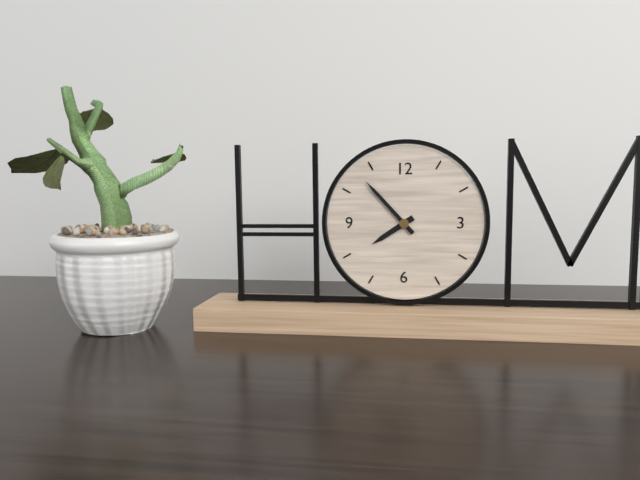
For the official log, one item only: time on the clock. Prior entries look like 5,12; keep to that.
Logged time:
7,53
